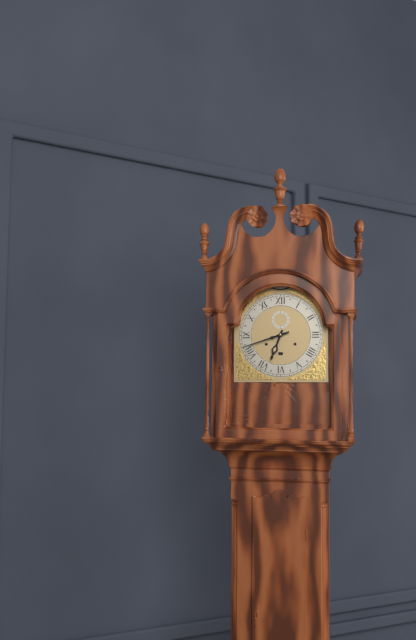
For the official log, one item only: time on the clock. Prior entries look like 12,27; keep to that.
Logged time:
6,42
